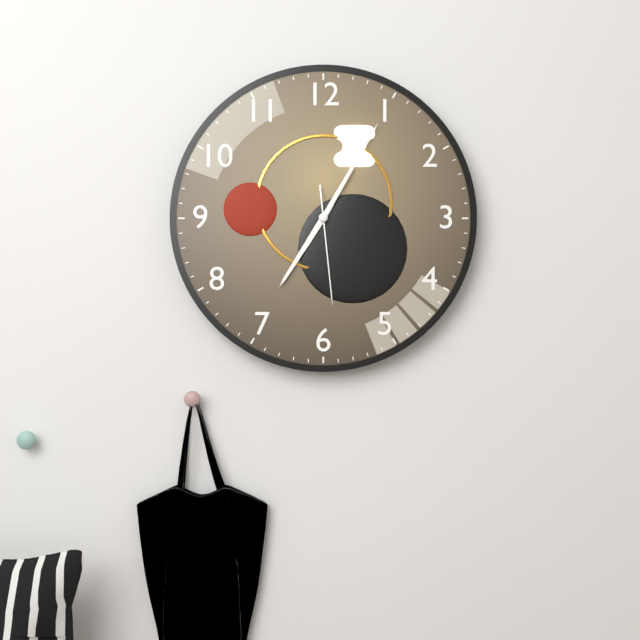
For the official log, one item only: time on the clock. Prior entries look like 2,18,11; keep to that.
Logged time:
7,05,29
